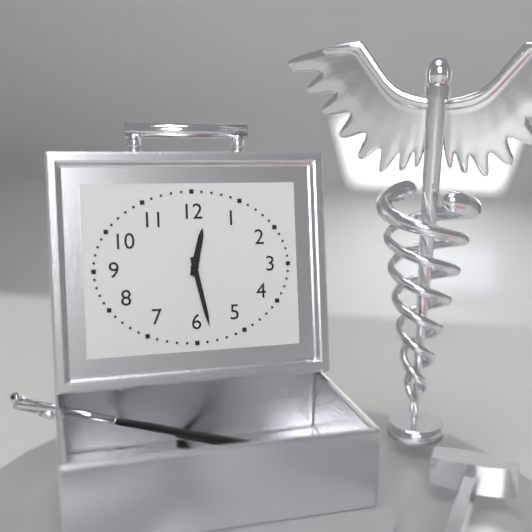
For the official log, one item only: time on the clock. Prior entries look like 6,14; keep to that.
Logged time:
12,28
